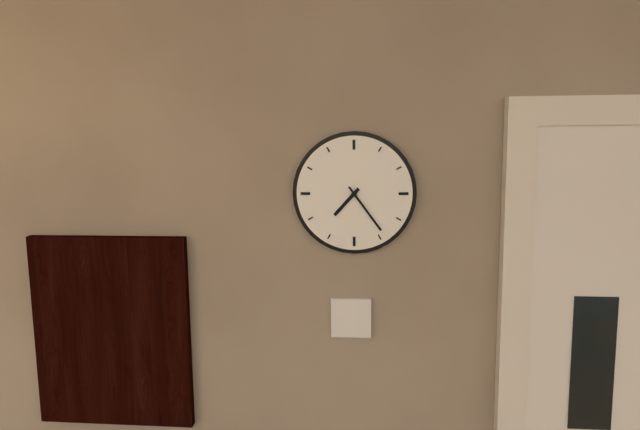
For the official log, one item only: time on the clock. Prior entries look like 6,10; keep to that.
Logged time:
7,24
